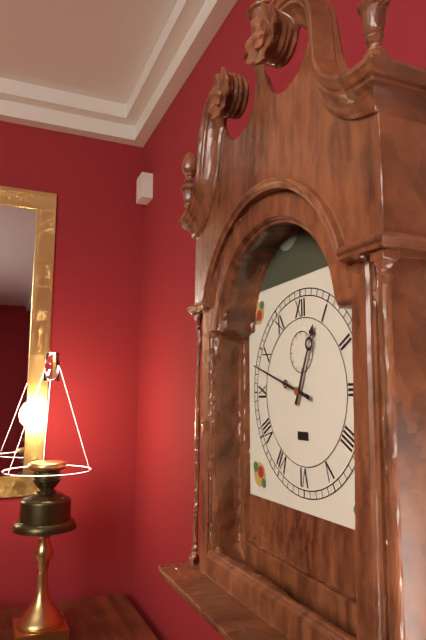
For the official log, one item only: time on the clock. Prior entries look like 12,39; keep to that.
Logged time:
12,48
